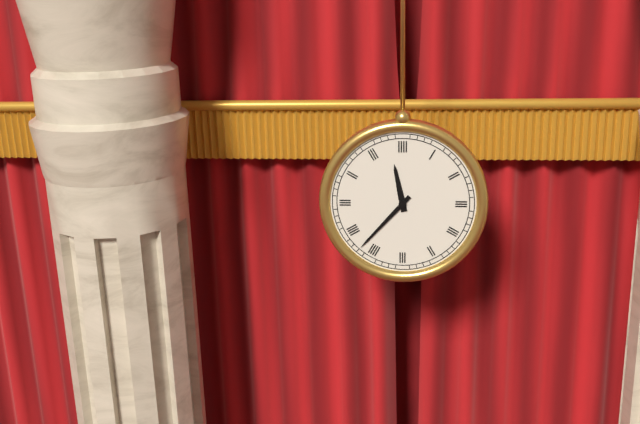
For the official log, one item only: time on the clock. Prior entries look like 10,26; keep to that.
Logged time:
11,37
